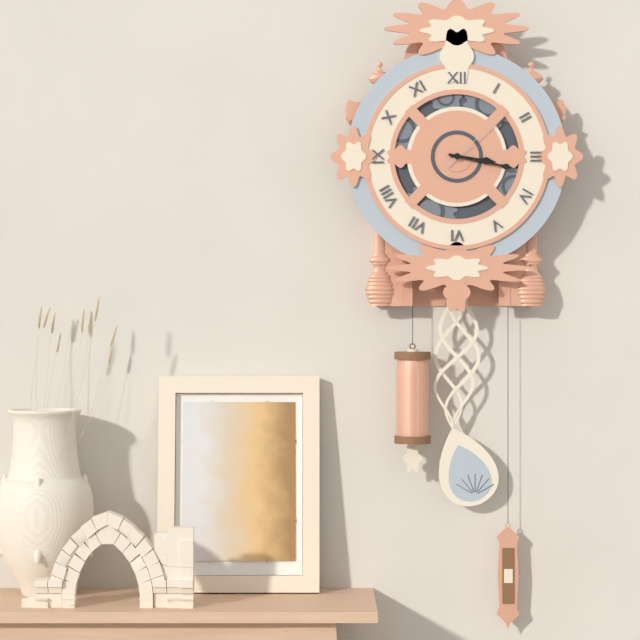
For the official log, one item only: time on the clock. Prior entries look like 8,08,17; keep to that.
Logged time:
3,17,08
